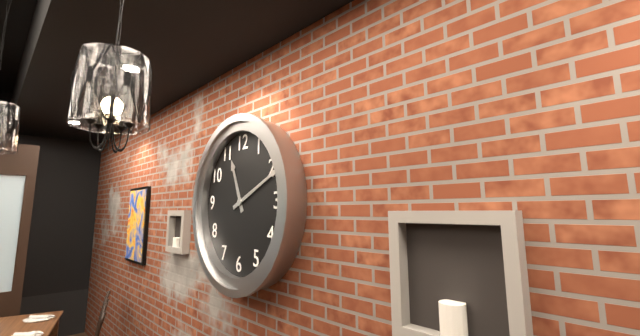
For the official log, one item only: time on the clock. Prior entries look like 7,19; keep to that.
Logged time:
11,11
